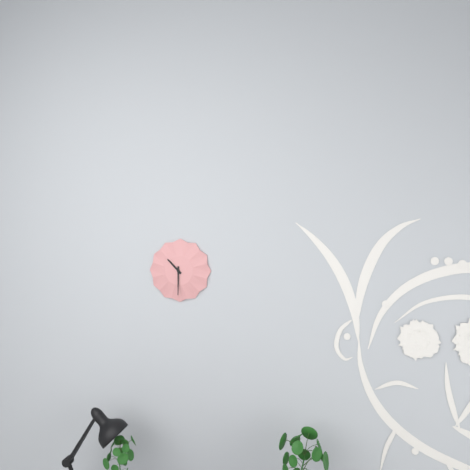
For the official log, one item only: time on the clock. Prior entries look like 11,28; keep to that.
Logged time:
10,30
